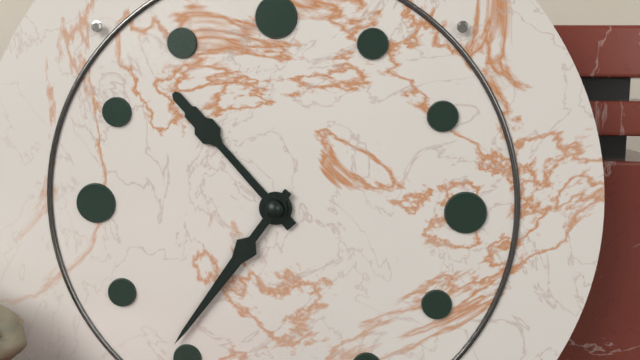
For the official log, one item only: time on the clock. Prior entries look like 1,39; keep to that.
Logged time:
10,36
